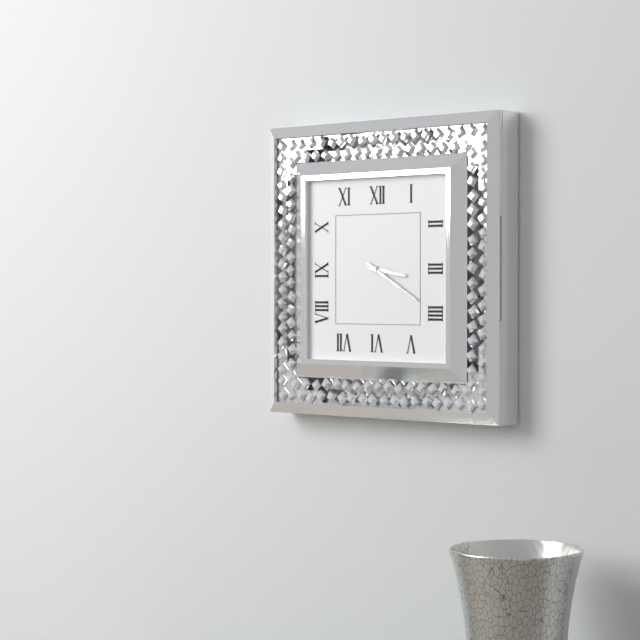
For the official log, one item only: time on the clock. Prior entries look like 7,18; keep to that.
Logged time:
3,20
